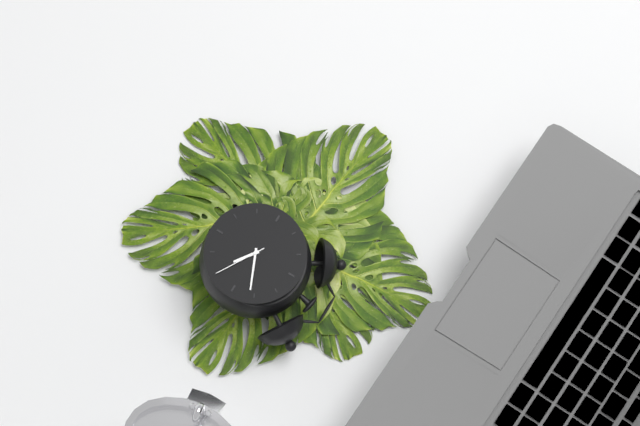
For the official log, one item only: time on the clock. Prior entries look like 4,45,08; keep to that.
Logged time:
4,11,20
